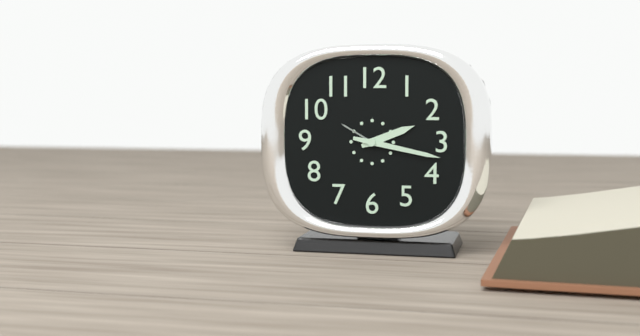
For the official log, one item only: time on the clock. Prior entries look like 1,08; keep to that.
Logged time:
2,17
